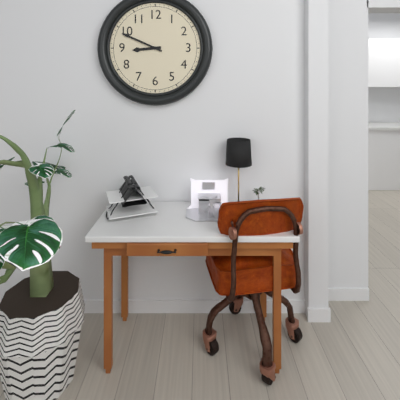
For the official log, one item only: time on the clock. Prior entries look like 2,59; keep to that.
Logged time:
8,49
